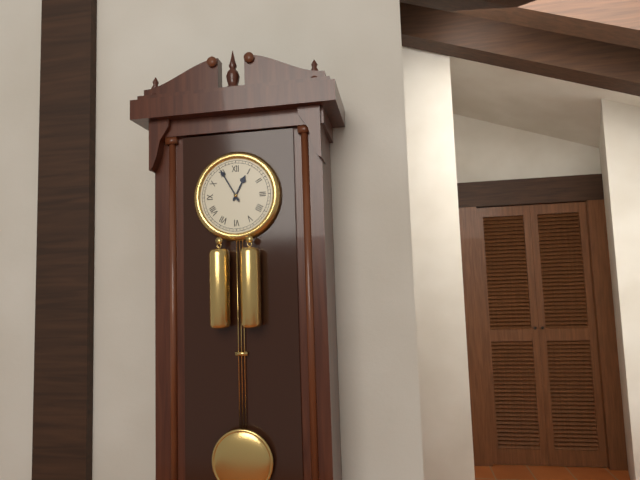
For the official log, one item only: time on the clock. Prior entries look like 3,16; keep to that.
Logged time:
12,55
